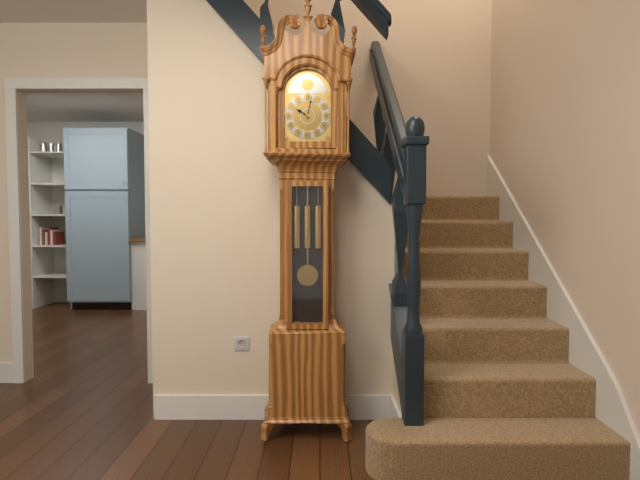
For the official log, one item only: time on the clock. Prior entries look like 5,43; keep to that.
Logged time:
10,02
